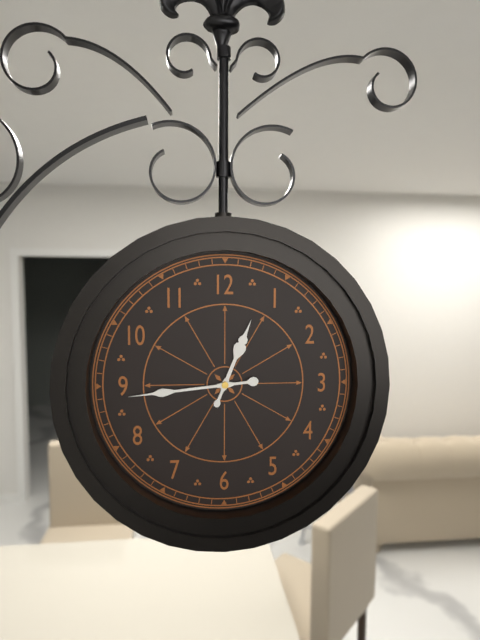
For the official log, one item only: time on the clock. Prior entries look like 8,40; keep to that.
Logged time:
12,44
